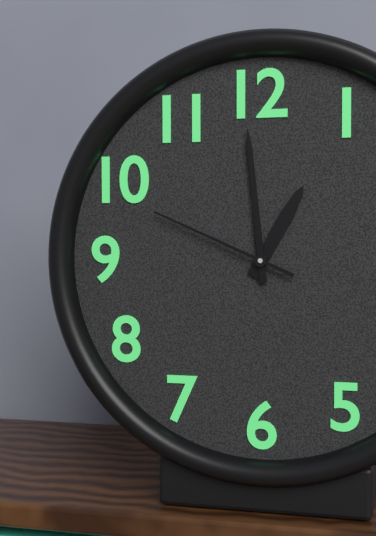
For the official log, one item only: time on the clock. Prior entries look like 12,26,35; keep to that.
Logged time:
12,59,49
